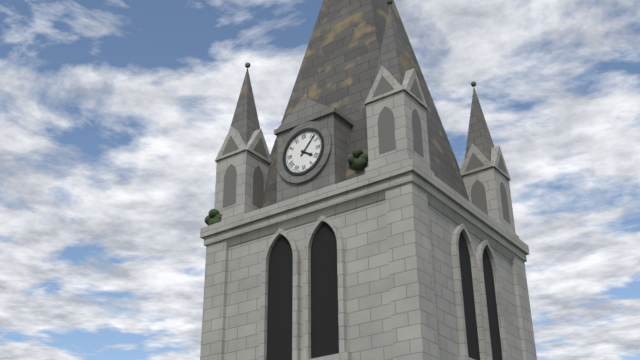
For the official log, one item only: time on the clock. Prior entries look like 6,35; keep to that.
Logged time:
4,07
